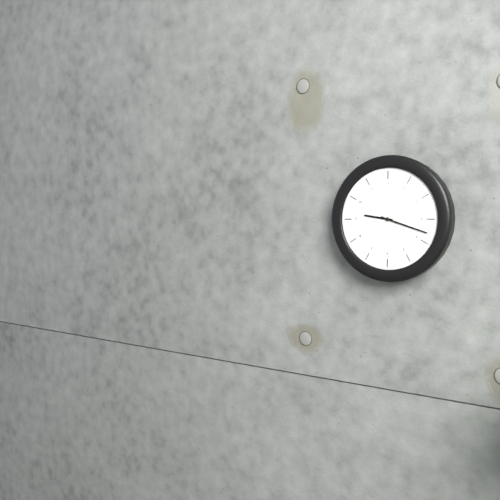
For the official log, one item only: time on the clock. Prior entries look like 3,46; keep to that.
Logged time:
9,18
